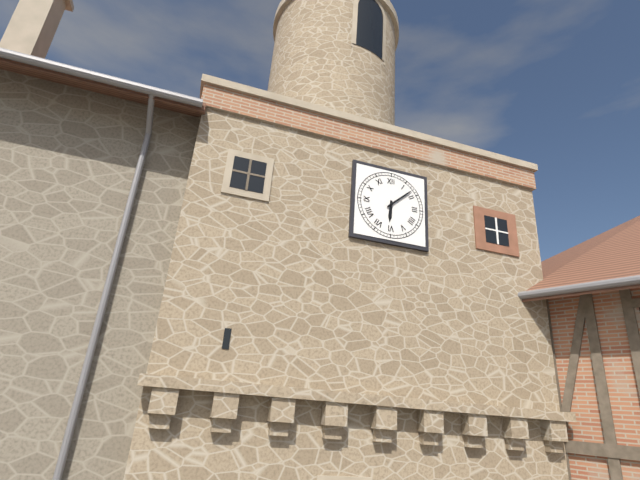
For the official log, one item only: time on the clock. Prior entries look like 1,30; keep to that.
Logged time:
6,08
